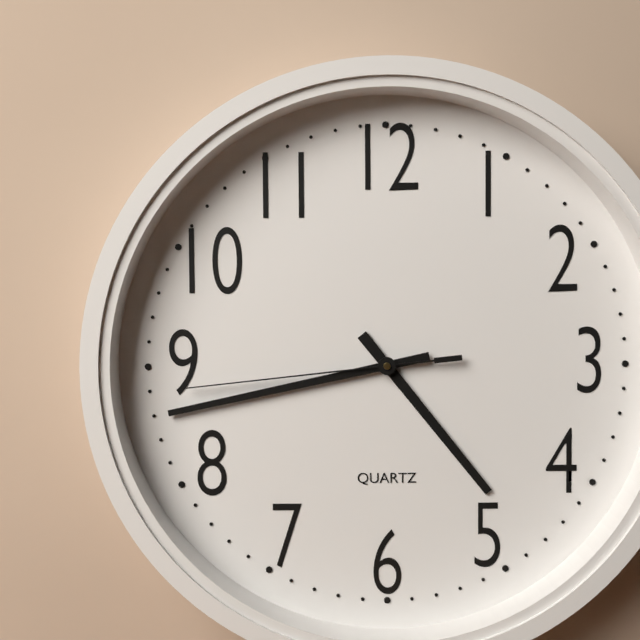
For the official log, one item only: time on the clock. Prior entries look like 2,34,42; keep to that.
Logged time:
4,43,44
